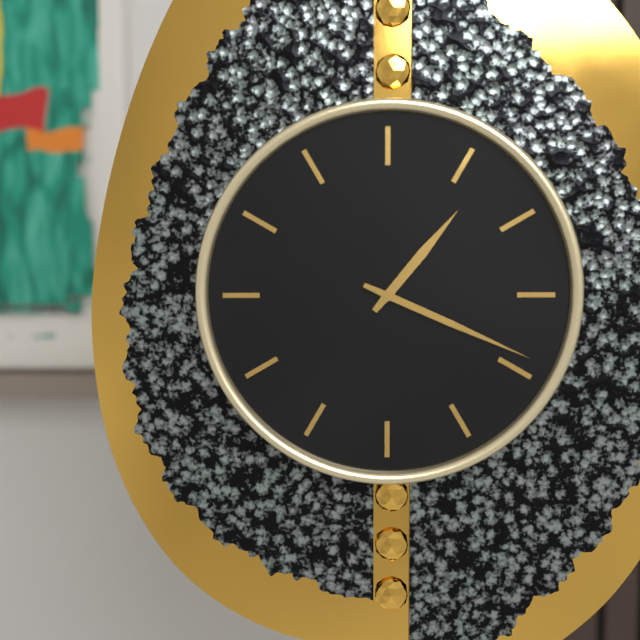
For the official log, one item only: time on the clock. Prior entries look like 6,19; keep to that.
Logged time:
1,19
